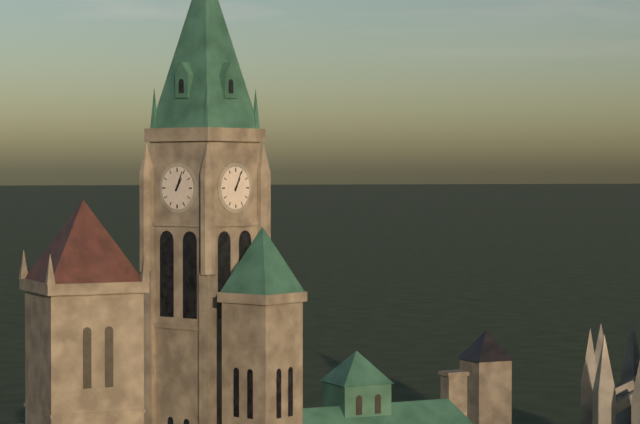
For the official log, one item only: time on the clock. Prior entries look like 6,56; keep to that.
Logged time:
1,04
